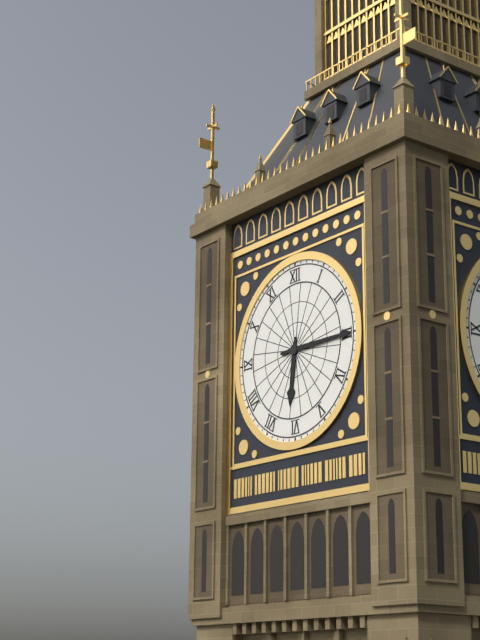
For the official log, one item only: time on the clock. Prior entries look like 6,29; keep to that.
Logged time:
6,15
